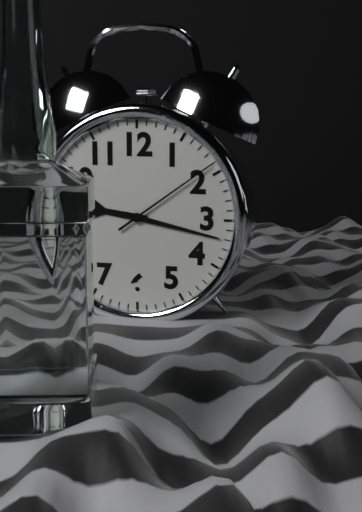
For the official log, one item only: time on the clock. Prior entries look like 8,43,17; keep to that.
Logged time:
9,17,09
